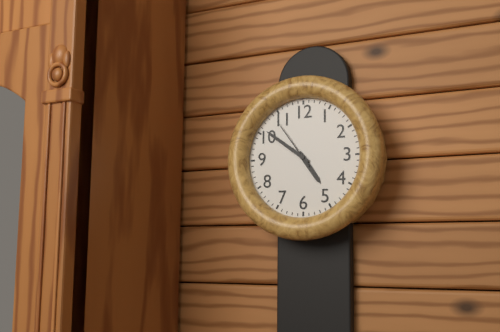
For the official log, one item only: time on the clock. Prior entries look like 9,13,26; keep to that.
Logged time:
4,51,54
